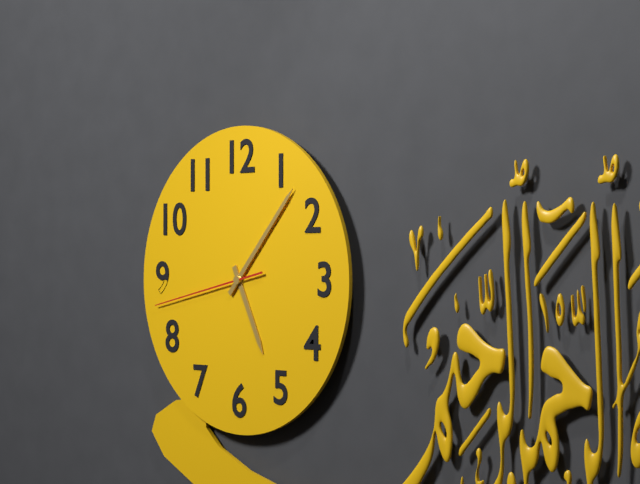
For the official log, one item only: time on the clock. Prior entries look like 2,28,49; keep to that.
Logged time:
5,07,43
